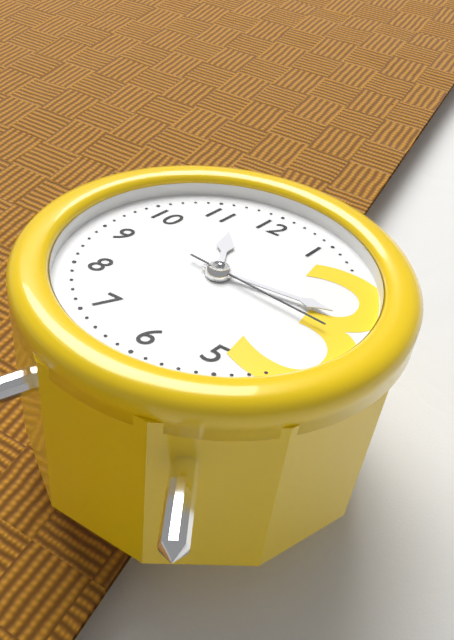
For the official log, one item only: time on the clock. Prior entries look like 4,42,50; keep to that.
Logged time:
11,14,16
